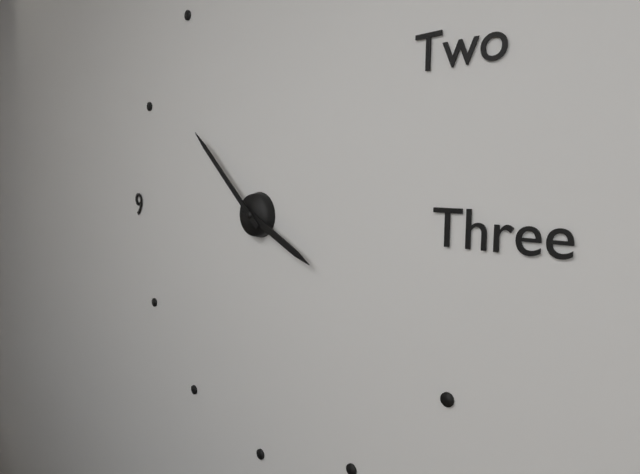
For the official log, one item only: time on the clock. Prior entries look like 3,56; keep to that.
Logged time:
3,52
